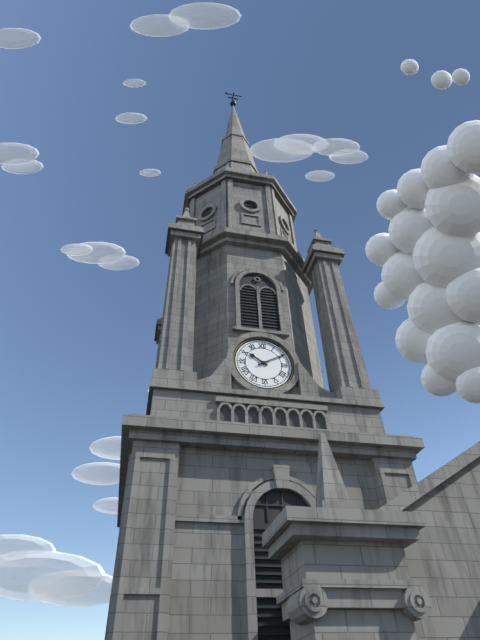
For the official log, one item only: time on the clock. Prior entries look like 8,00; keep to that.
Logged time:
10,10
